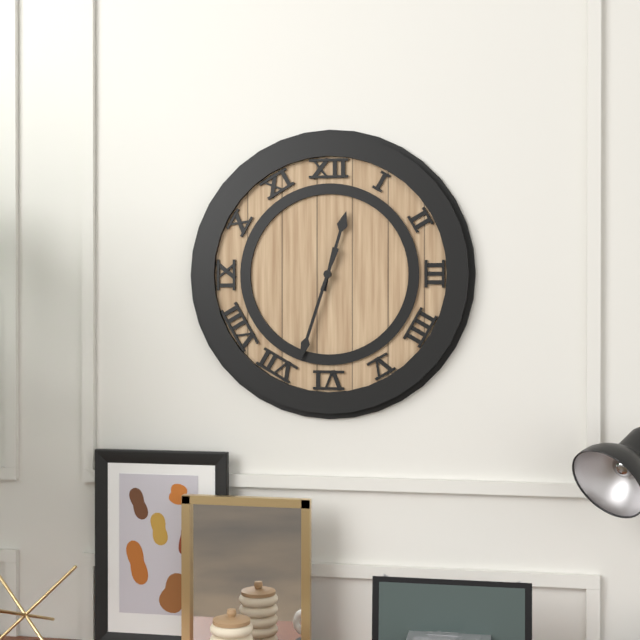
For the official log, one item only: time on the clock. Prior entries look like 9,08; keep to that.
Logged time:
12,33
